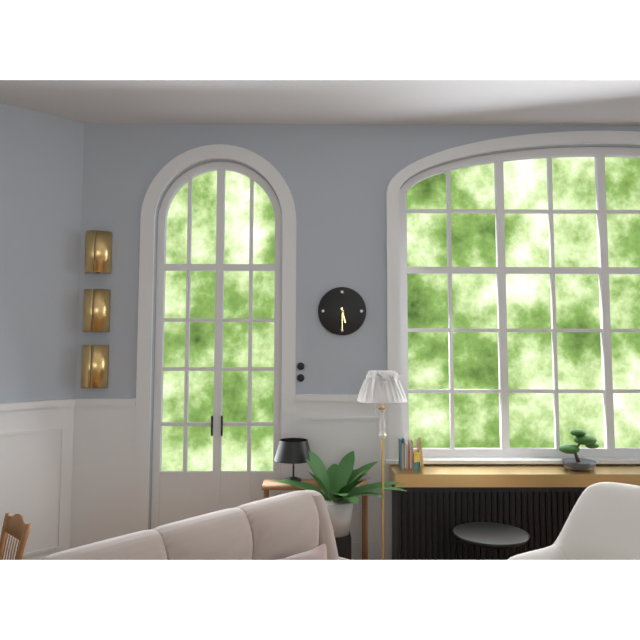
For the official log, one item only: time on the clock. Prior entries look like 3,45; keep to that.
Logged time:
5,30
